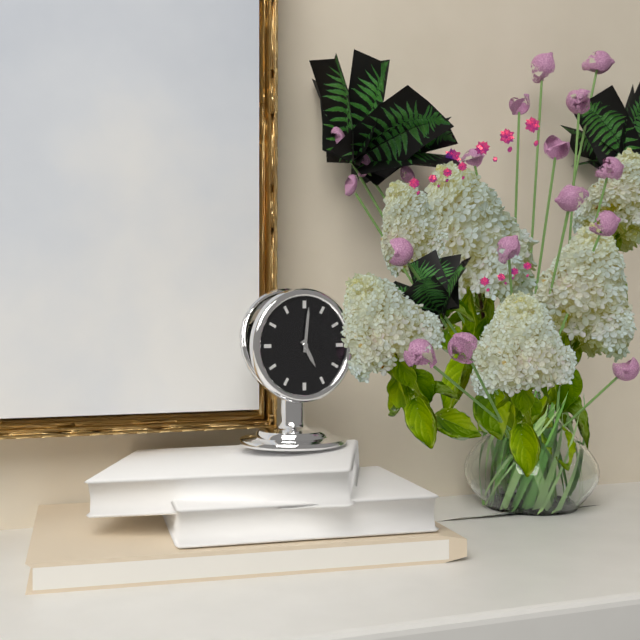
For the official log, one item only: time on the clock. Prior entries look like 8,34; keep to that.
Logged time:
5,01
